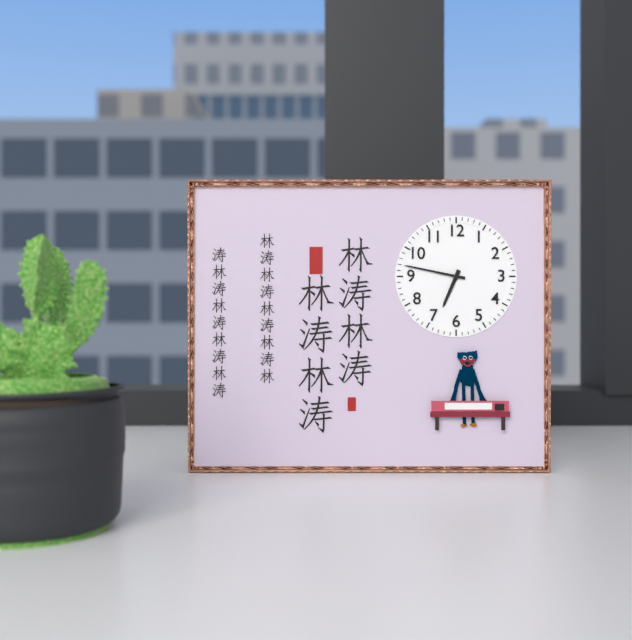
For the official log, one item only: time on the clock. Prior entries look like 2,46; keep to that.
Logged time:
6,47
